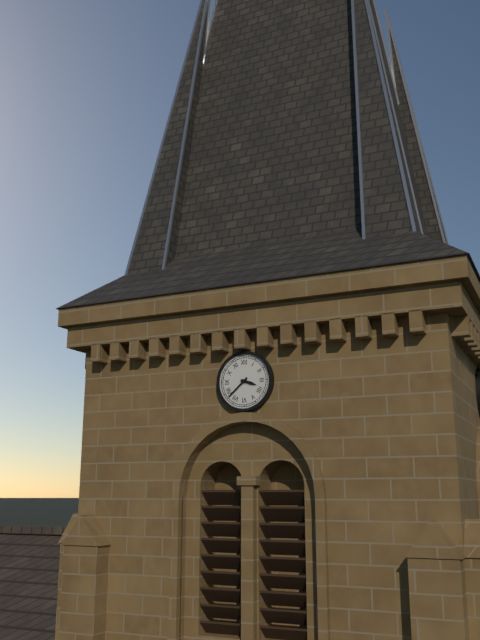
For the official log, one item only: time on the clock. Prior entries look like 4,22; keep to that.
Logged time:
3,38
